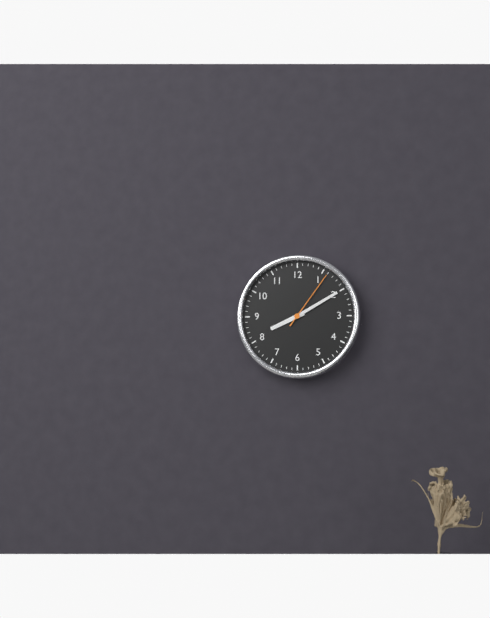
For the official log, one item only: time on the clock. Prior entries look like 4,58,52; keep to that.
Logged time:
8,10,06
